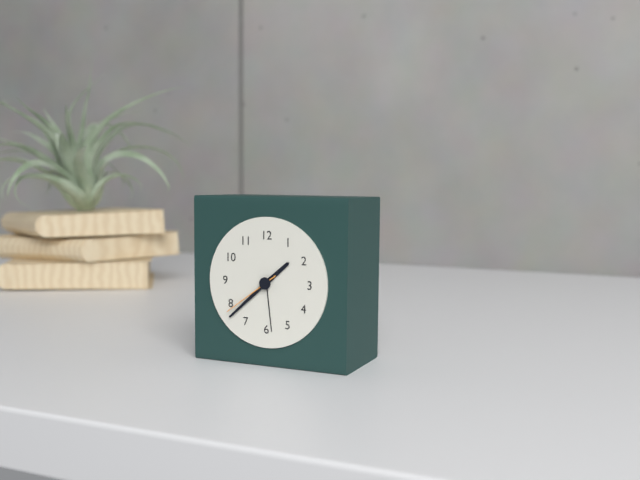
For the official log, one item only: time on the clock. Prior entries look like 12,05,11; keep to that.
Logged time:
1,38,39
